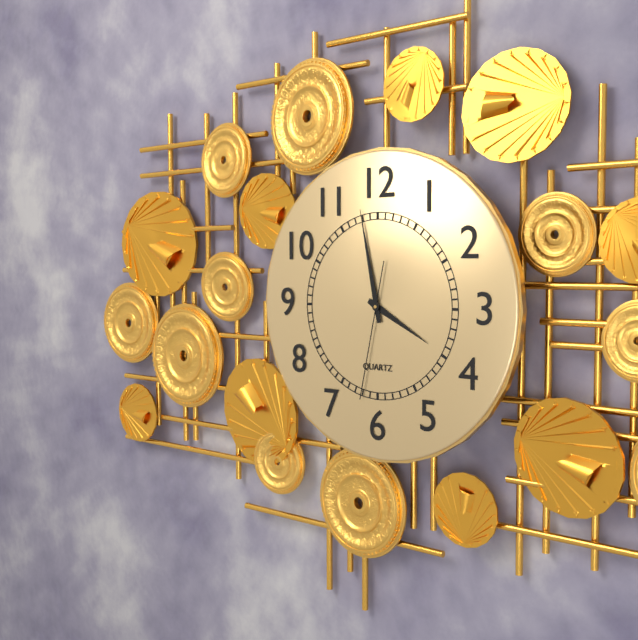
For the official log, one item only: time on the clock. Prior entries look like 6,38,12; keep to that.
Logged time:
3,58,32
